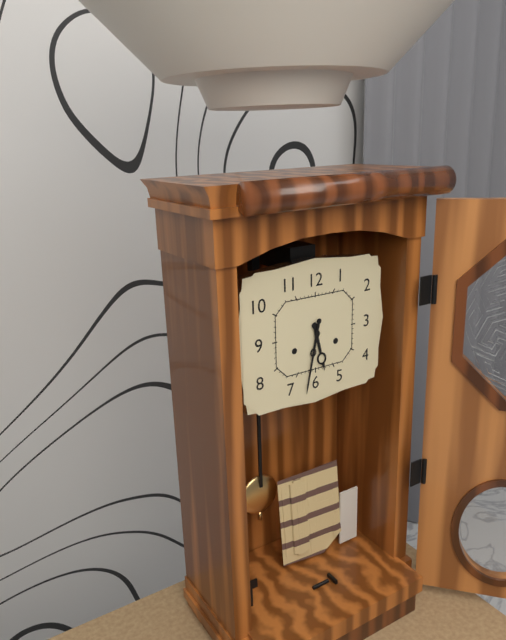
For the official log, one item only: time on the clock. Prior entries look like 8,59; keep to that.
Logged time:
5,32
